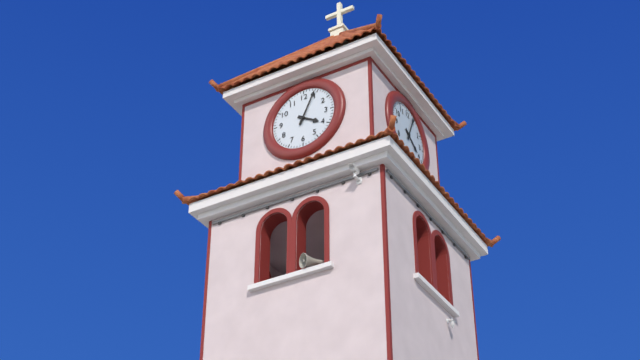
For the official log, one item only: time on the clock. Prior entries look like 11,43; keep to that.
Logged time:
4,04
